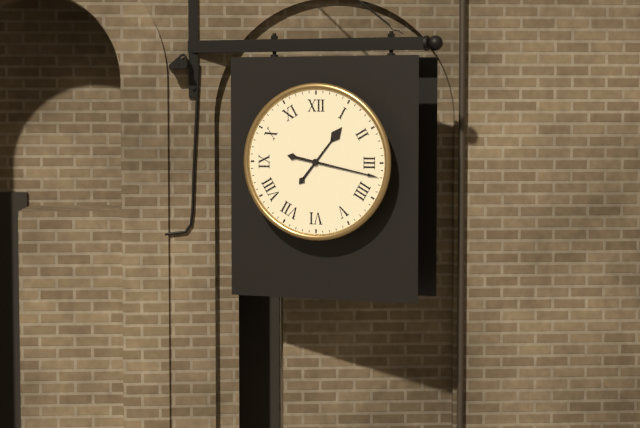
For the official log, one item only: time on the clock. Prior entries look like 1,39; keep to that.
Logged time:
1,17
